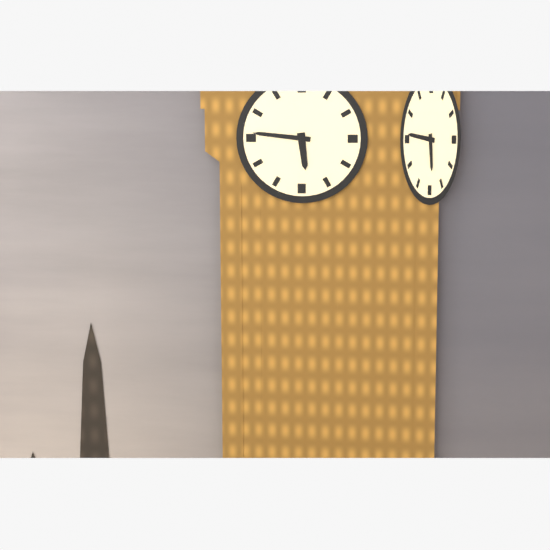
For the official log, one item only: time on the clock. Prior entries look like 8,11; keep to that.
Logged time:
5,46
